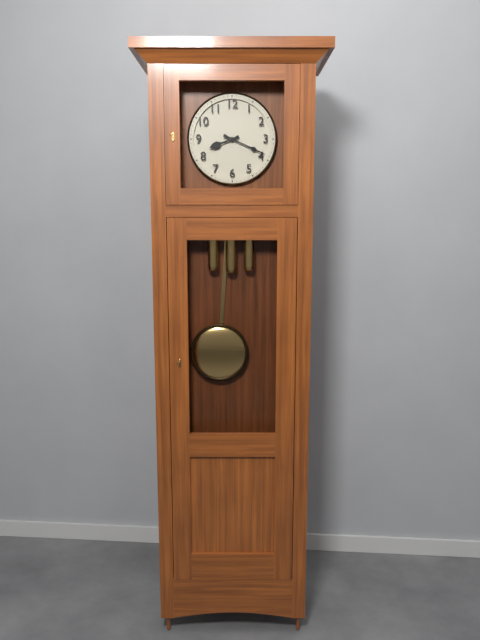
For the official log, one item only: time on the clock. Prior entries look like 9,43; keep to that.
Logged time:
8,19
